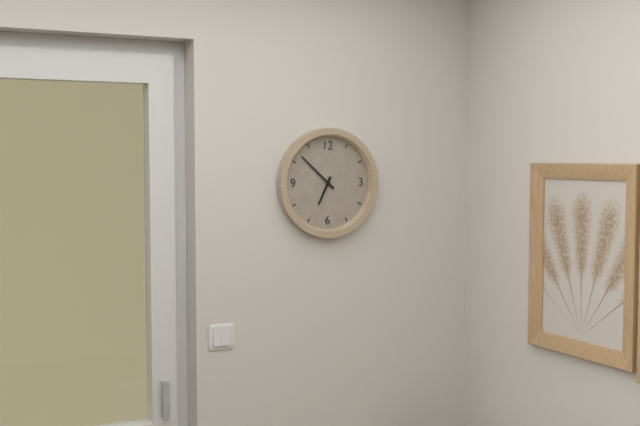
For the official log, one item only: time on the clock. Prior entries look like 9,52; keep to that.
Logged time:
6,52
